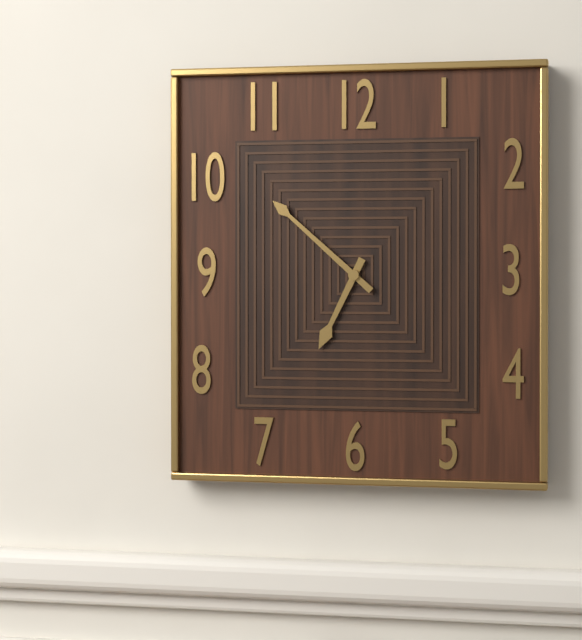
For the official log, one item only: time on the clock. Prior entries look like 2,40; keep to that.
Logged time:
6,52
